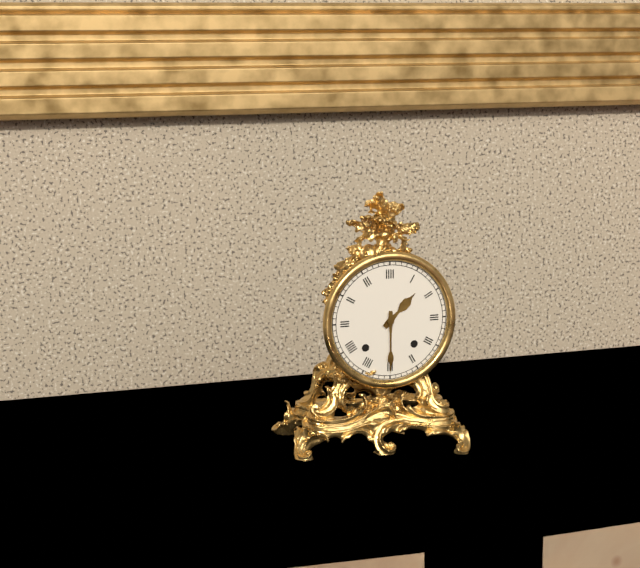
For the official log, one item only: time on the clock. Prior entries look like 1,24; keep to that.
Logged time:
1,30
